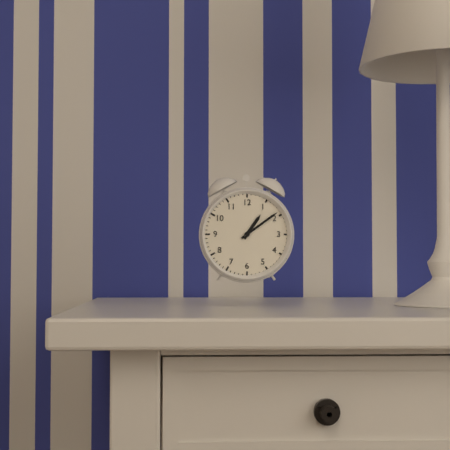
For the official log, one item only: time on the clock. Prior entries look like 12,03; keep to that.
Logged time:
1,09
